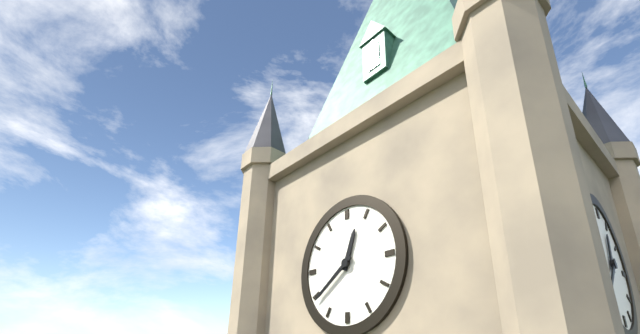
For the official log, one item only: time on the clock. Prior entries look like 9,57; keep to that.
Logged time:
12,39
